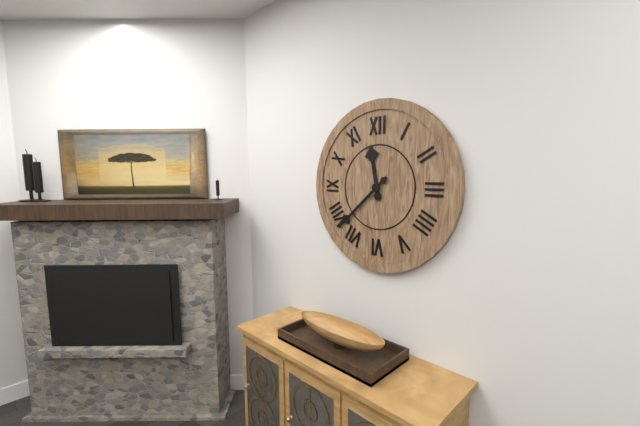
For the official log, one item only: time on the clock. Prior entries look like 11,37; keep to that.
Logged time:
11,38
